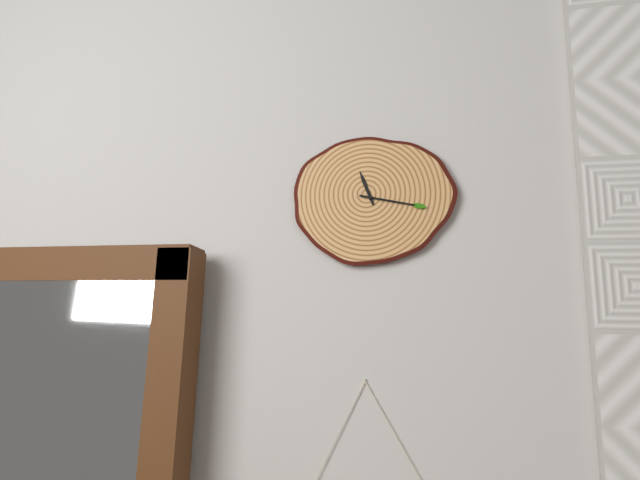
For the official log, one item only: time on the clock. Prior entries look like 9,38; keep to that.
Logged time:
11,17
